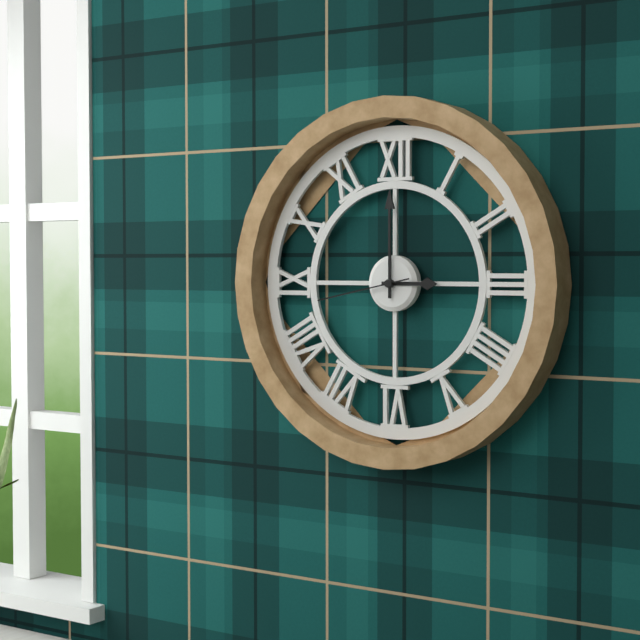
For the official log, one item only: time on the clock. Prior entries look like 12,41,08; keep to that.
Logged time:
3,00,43
